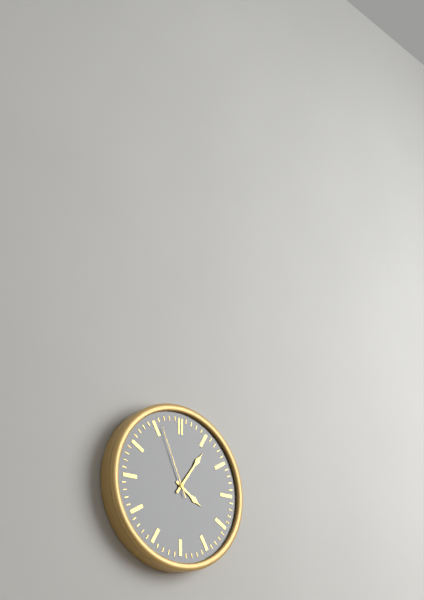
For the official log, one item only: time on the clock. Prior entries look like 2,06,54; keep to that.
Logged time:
4,06,56
